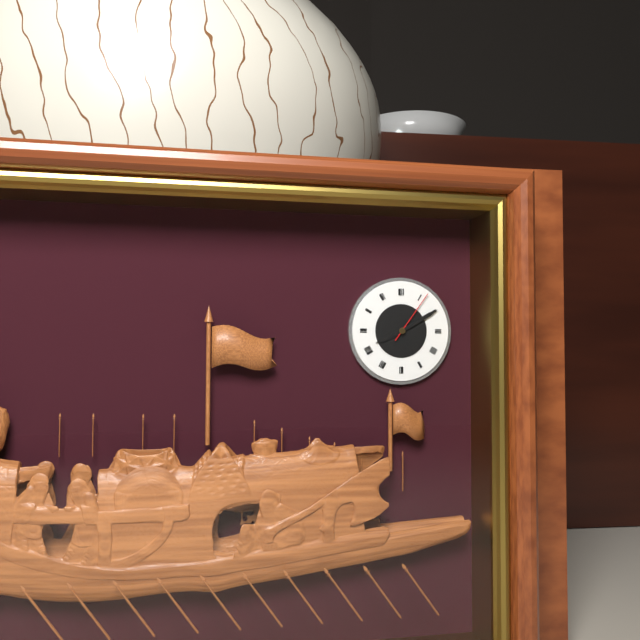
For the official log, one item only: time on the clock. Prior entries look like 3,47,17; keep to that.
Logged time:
8,10,06
